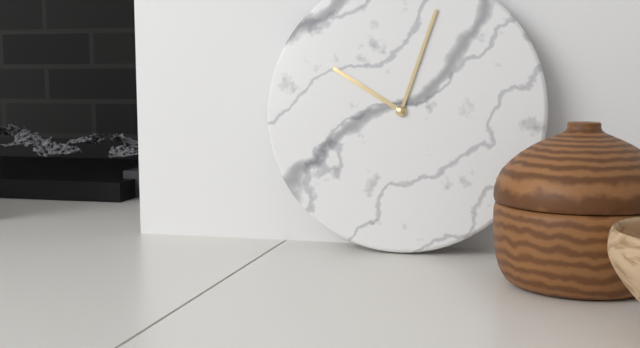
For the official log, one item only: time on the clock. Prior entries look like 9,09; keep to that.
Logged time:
10,03
